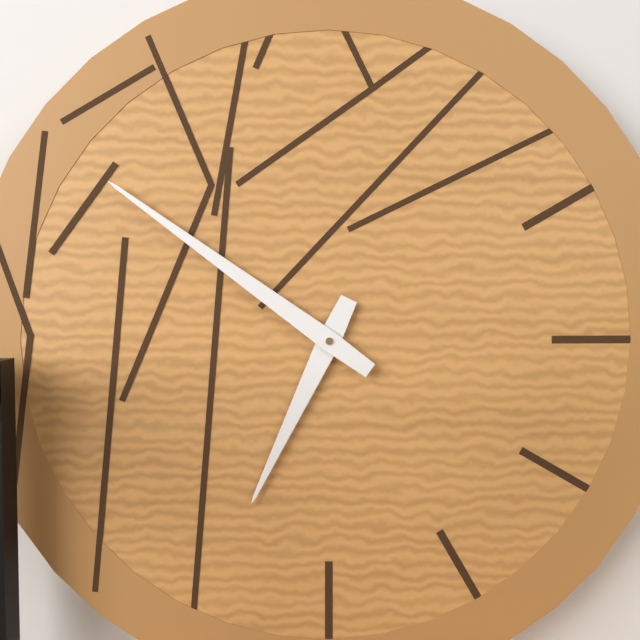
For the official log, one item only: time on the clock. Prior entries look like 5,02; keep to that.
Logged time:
6,51
